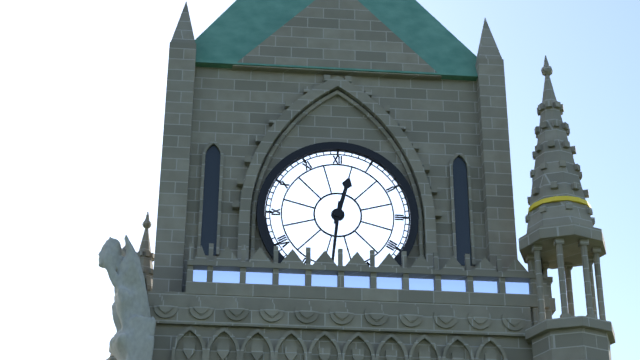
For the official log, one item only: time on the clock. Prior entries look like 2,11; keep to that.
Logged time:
12,31
